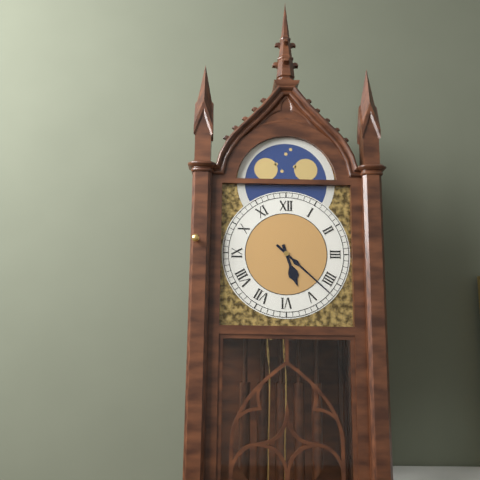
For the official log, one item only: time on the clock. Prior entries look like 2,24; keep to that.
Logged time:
5,22
